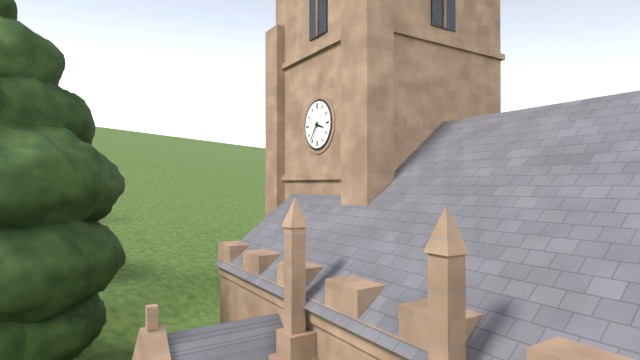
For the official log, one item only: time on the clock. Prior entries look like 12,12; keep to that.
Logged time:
3,36
